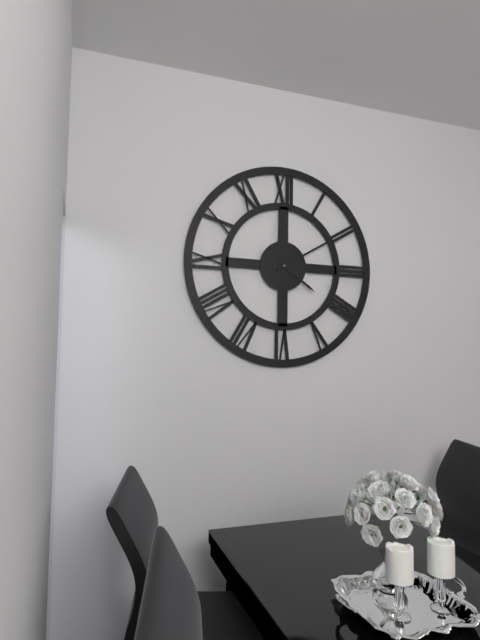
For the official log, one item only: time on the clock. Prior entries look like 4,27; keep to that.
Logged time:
4,10
